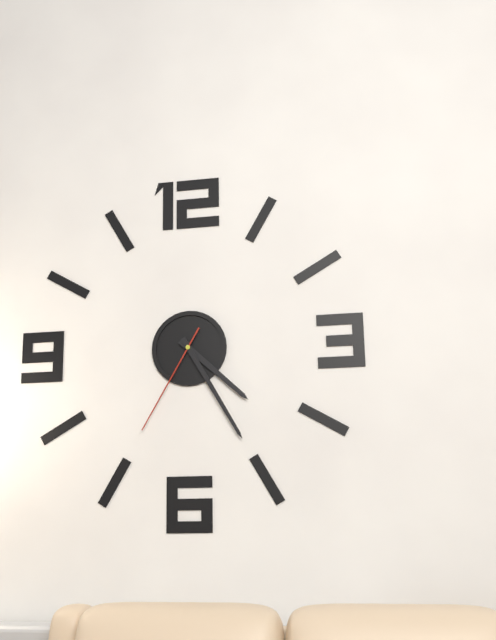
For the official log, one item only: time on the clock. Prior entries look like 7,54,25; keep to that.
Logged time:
4,25,35
